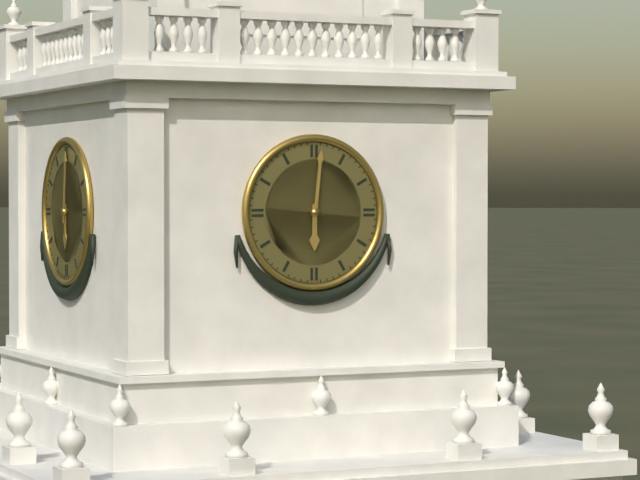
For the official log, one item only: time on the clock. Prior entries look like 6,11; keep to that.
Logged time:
6,01
